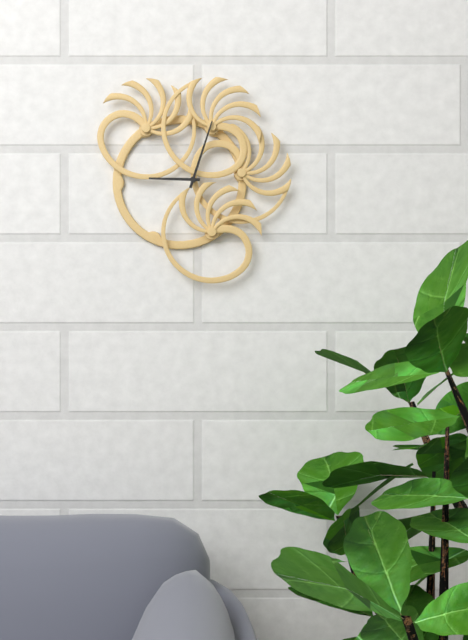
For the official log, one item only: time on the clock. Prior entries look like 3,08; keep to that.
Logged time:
9,03
